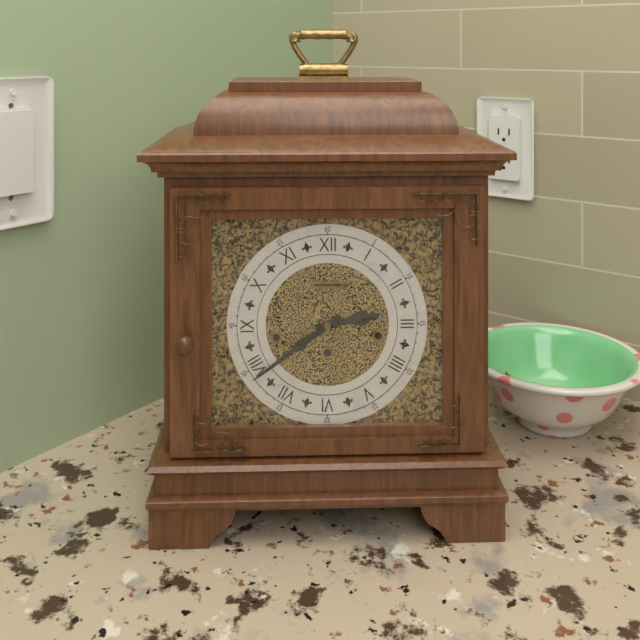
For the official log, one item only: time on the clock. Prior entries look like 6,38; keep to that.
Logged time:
2,39
